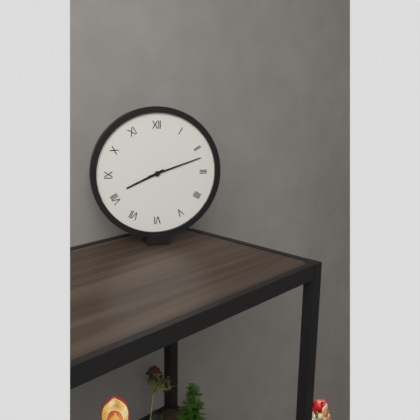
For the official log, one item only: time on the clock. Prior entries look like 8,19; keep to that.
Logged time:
8,12
